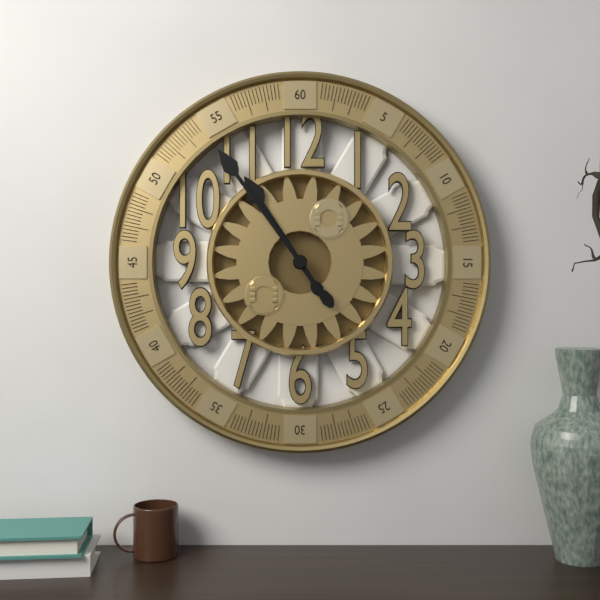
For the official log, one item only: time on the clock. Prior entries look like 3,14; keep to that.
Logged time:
10,54
